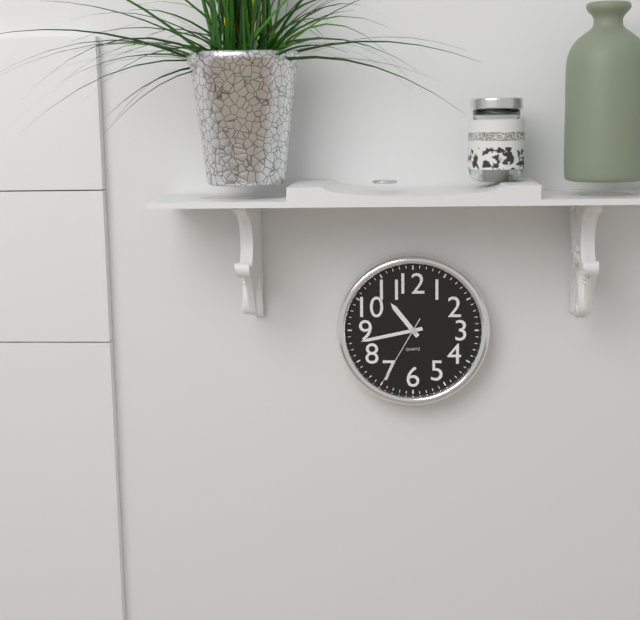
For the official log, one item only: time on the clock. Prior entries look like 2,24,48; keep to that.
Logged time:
10,43,35
